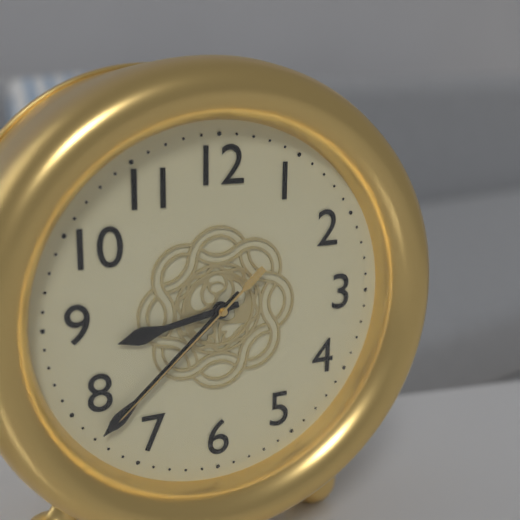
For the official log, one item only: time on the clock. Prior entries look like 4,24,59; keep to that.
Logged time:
8,38,38
